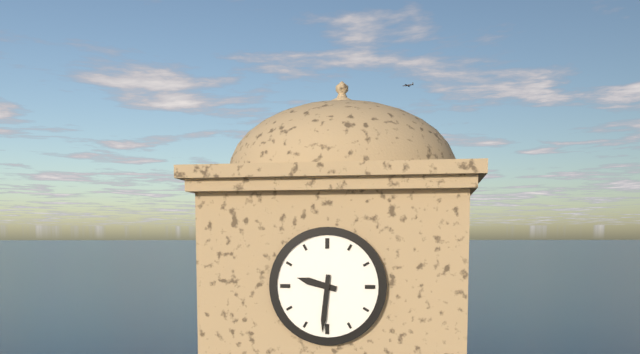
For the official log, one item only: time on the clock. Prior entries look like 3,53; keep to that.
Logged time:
9,31
